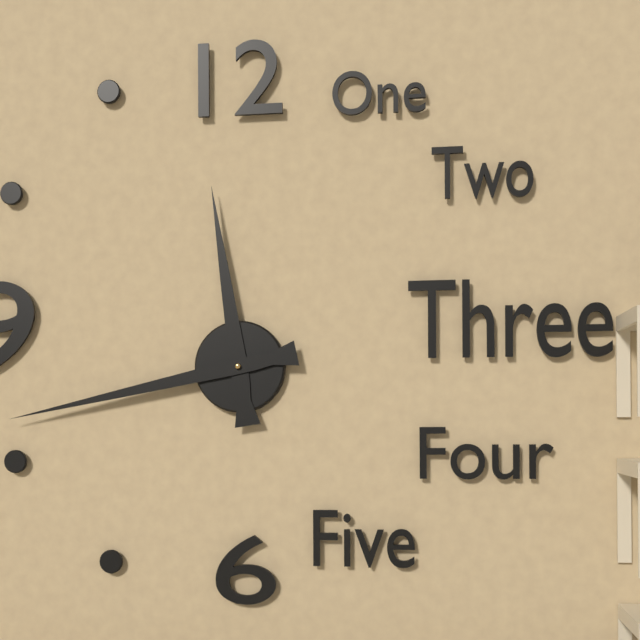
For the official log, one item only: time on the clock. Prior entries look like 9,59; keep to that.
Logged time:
11,43
